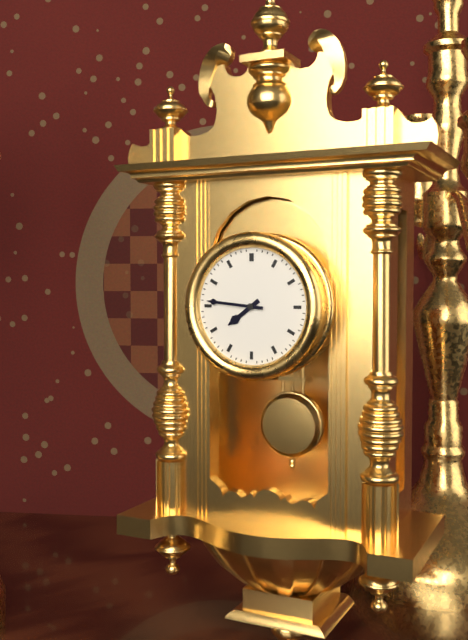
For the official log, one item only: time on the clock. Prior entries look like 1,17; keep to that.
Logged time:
7,46
